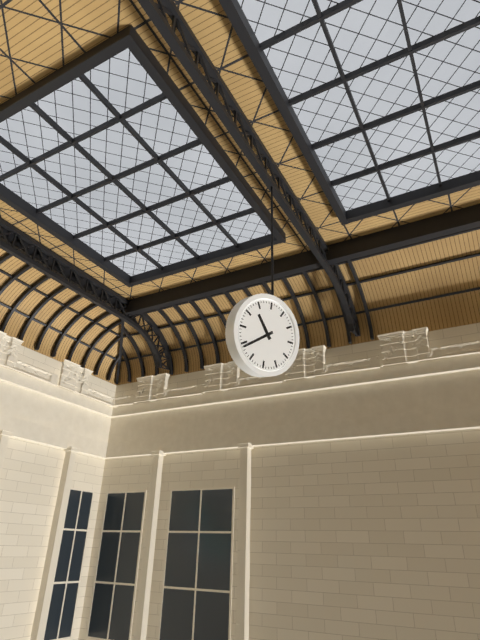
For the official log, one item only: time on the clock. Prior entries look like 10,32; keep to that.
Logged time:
10,39
